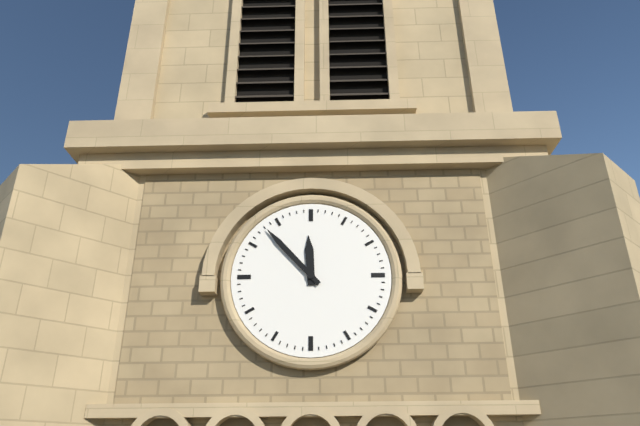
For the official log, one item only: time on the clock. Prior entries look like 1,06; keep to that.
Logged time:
11,53
